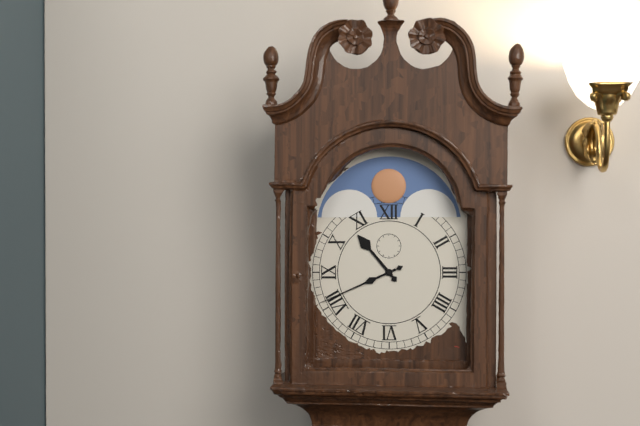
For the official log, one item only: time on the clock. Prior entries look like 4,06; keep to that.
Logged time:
10,41
